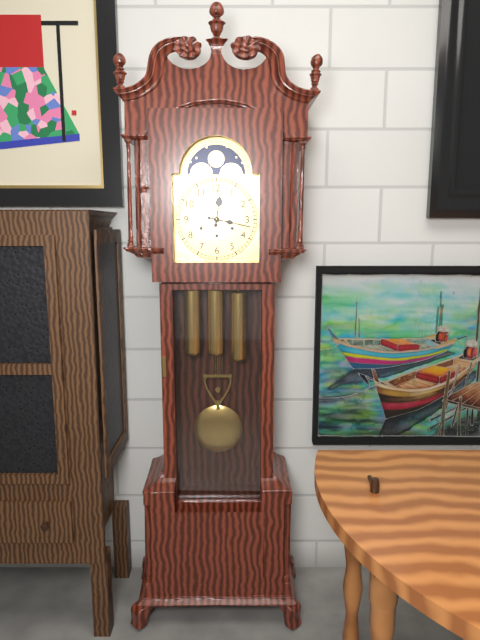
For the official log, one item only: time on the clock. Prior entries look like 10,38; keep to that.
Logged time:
12,17
